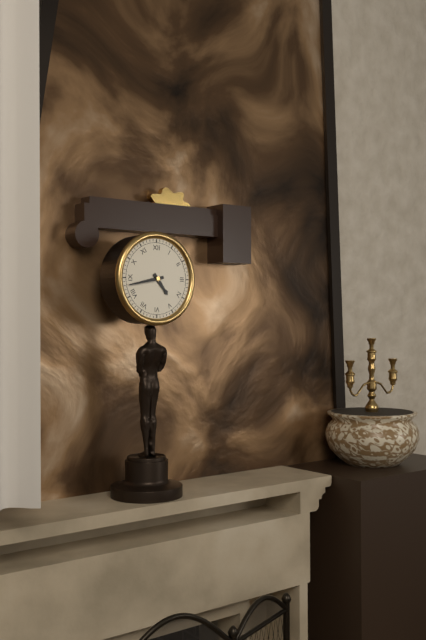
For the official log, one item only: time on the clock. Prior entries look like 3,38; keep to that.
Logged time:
4,43
